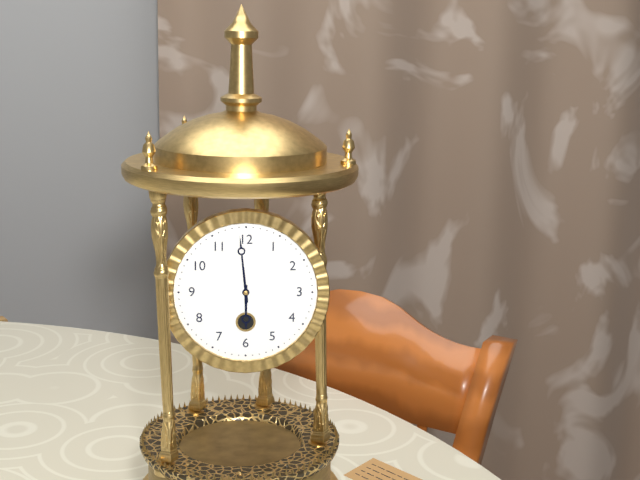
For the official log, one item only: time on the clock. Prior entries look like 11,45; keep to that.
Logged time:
5,59
